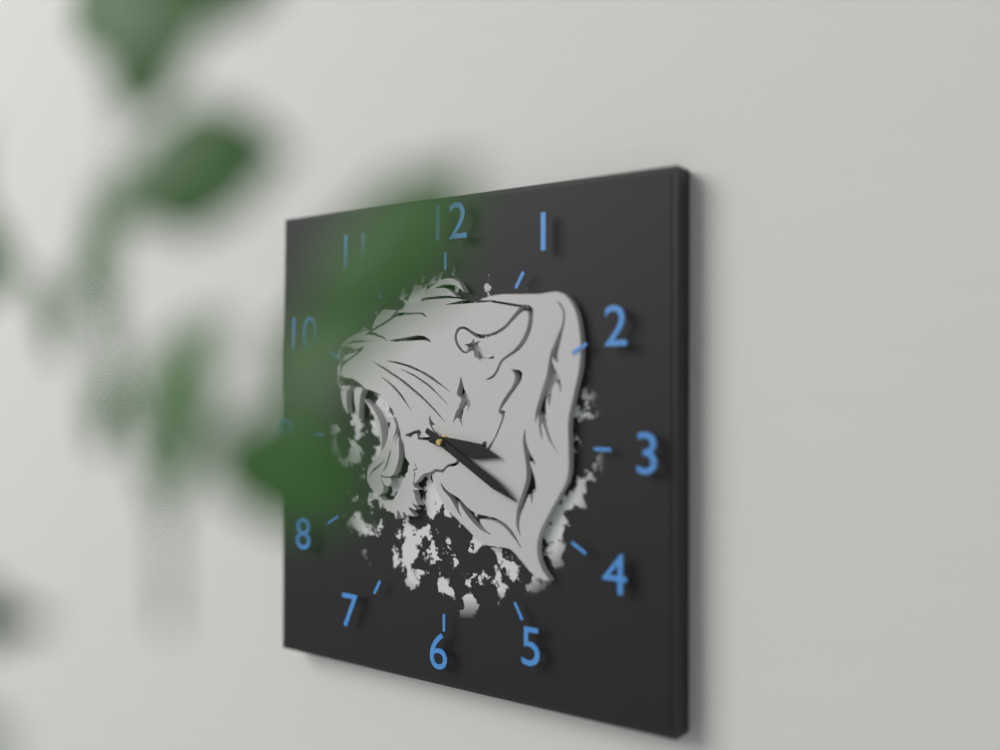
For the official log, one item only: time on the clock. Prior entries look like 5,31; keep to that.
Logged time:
3,20
